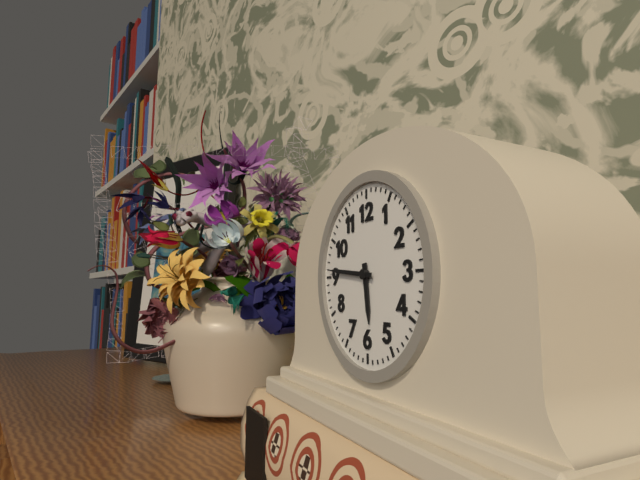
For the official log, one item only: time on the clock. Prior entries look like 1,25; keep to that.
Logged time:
5,46
